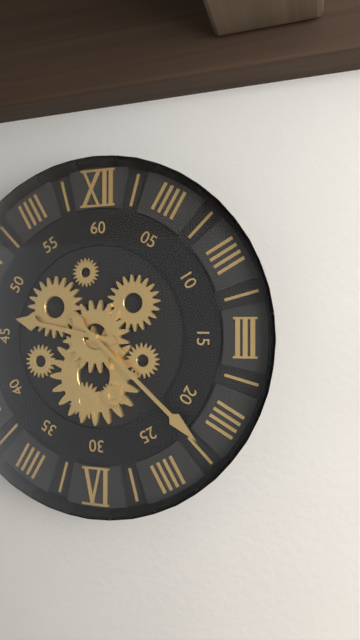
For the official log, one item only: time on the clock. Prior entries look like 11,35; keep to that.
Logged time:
9,22
